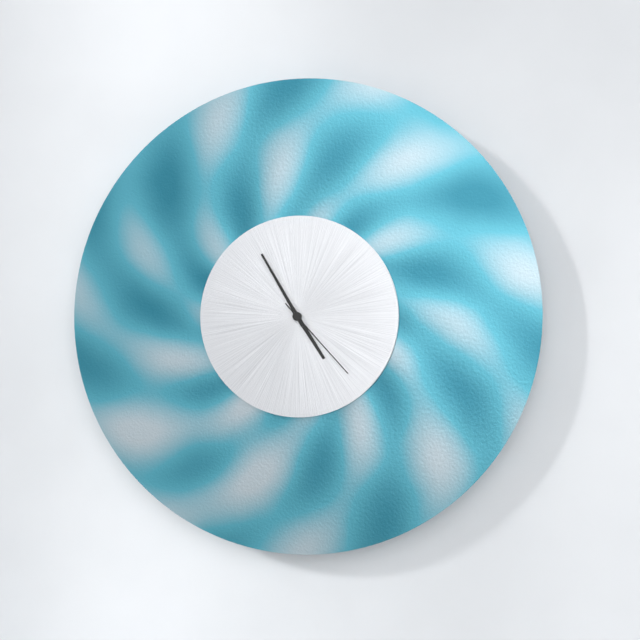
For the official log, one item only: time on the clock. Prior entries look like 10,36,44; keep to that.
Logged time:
4,55,23
